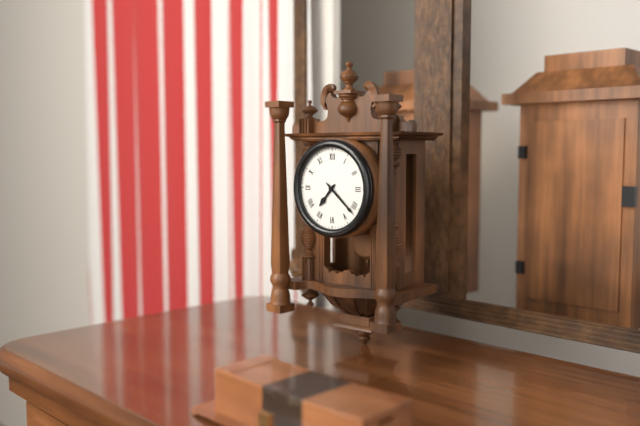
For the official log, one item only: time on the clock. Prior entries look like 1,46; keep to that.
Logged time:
7,22
